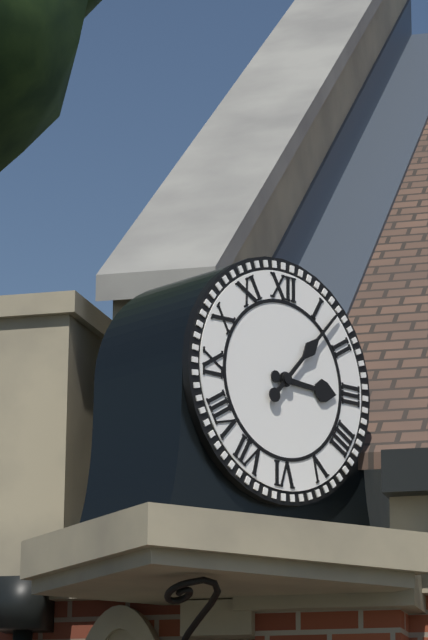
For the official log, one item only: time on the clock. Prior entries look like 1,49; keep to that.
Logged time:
3,07
